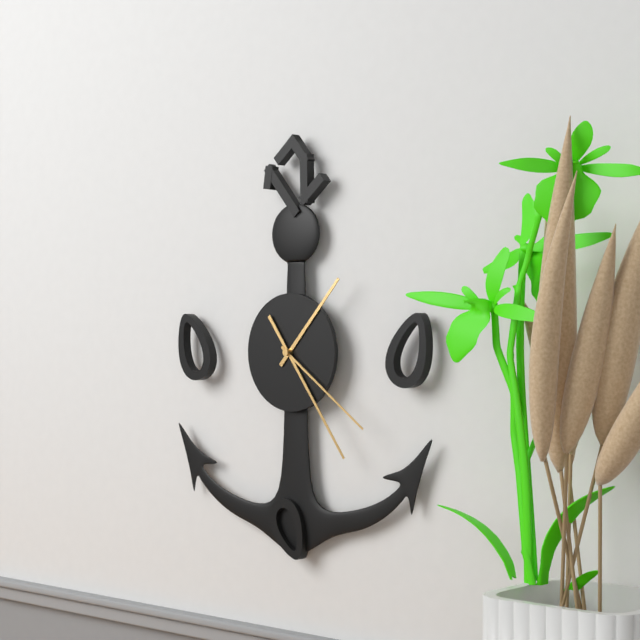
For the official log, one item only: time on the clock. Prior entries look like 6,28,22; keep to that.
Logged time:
1,24,21
